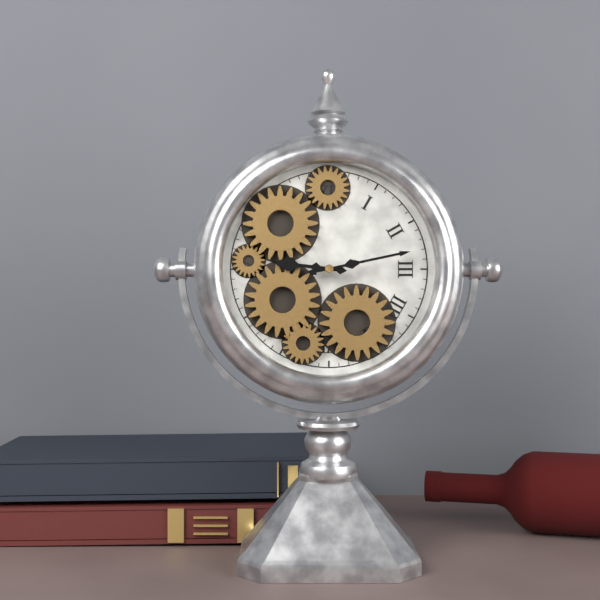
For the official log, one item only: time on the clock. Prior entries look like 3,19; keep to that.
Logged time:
9,13
